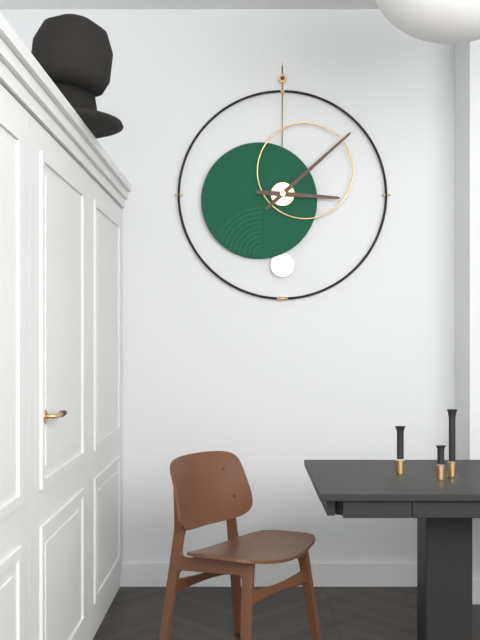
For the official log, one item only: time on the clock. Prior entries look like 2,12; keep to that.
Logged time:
3,08
